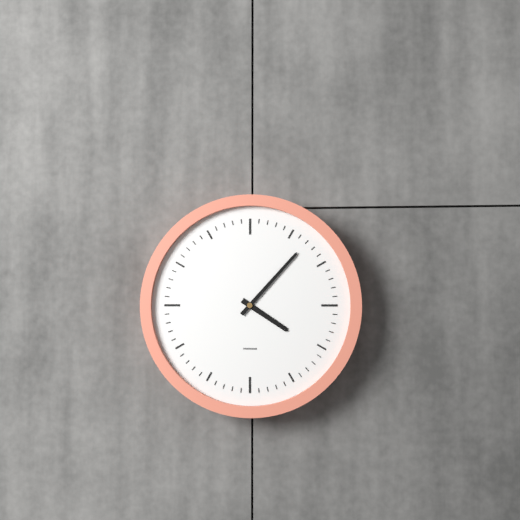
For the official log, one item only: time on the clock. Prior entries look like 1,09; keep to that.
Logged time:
4,07
